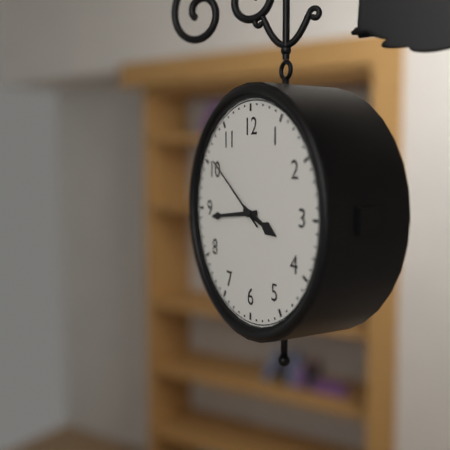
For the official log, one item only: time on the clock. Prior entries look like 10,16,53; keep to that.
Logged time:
3,44,51
